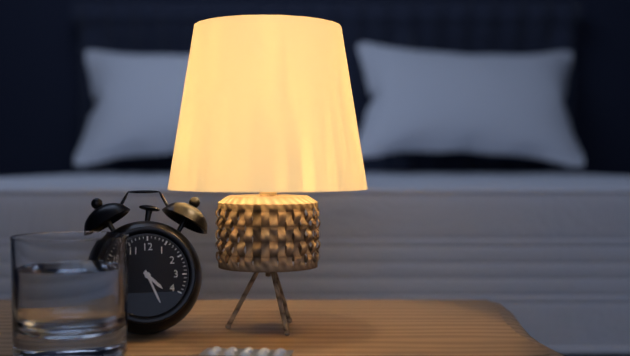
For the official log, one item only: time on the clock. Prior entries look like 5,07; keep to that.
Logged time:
4,26
